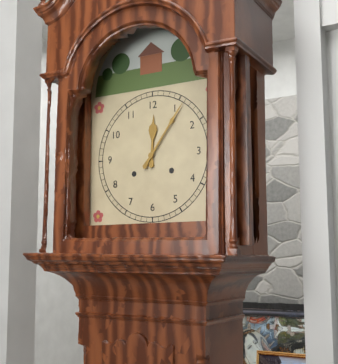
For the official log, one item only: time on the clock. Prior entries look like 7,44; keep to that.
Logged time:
12,06
